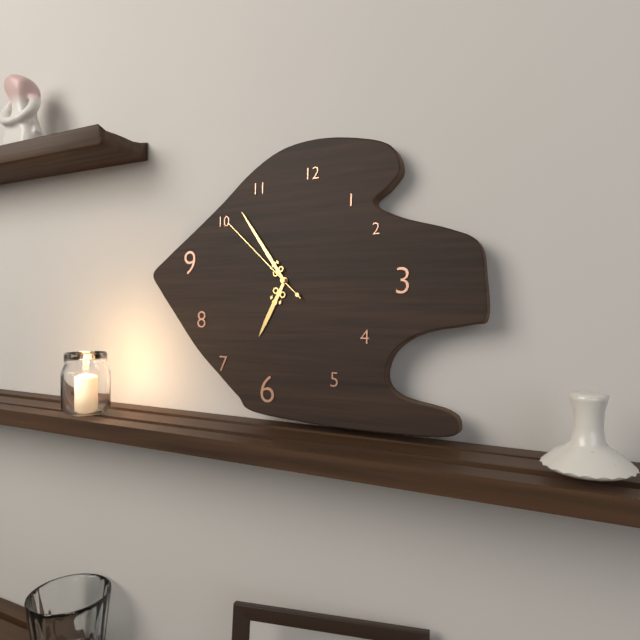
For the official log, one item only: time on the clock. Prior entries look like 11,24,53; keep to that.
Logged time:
6,54,52
